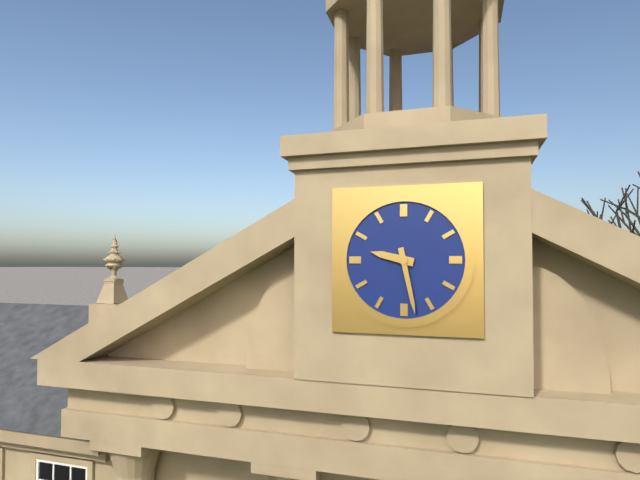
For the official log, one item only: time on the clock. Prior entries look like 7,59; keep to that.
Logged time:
9,28
